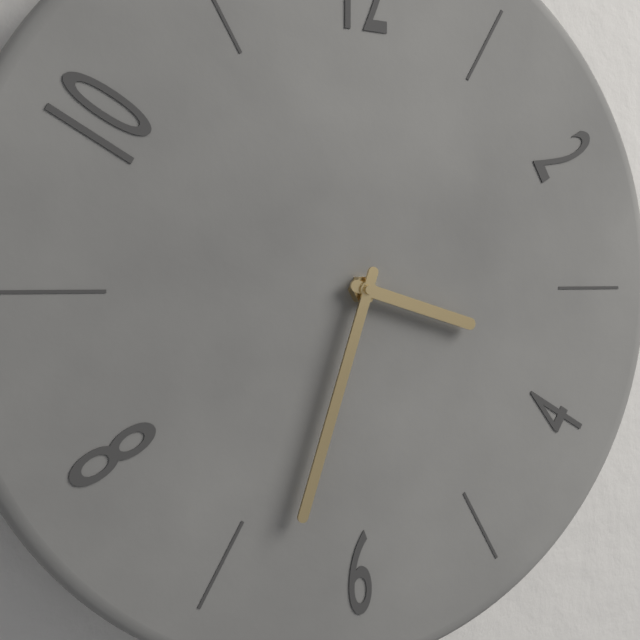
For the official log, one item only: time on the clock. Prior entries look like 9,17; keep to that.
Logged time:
3,33
